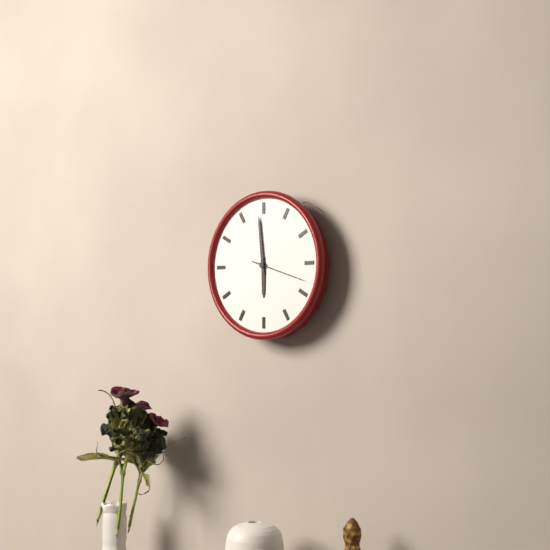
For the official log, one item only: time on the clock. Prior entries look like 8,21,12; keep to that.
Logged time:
5,59,18
